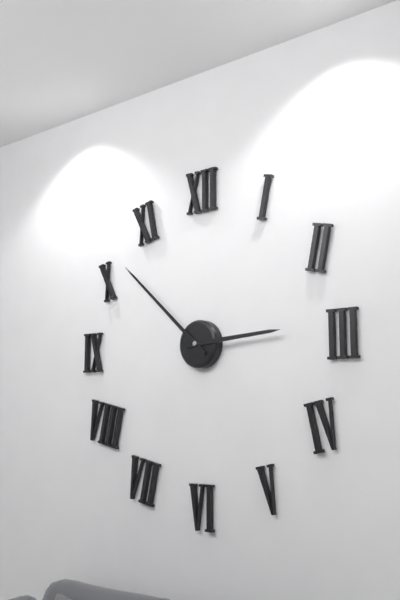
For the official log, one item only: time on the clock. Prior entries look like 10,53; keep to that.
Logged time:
2,52
